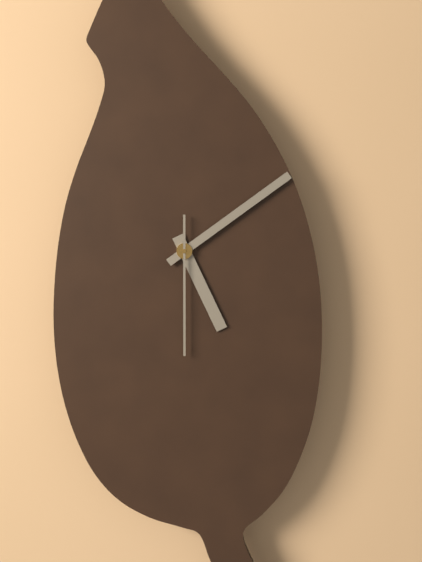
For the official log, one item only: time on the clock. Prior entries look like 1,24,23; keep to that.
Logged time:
5,09,30
